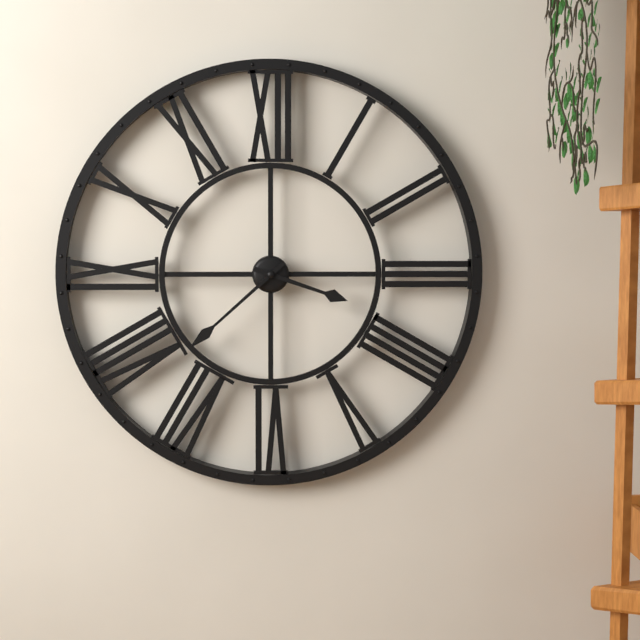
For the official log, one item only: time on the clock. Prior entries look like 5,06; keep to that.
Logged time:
3,38
